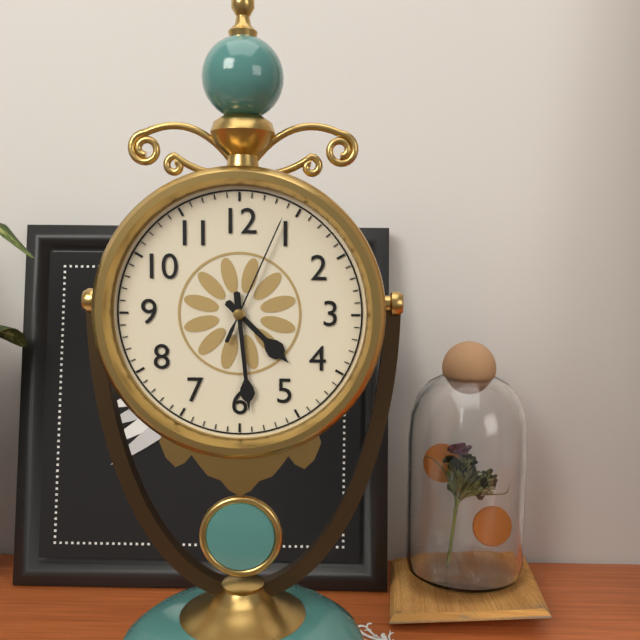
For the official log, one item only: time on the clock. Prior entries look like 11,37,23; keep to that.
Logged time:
4,29,04
